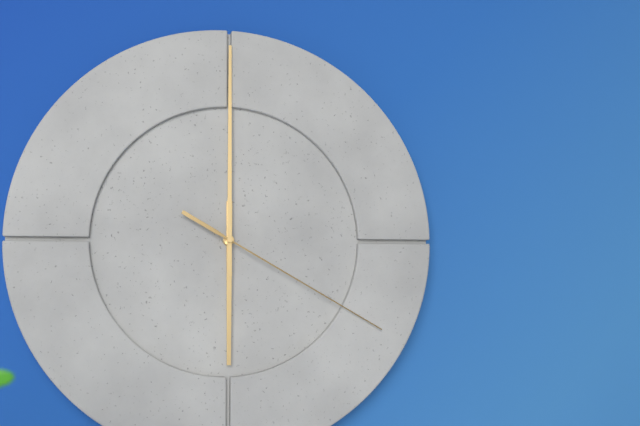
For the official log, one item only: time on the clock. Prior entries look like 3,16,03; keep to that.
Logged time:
6,00,20
